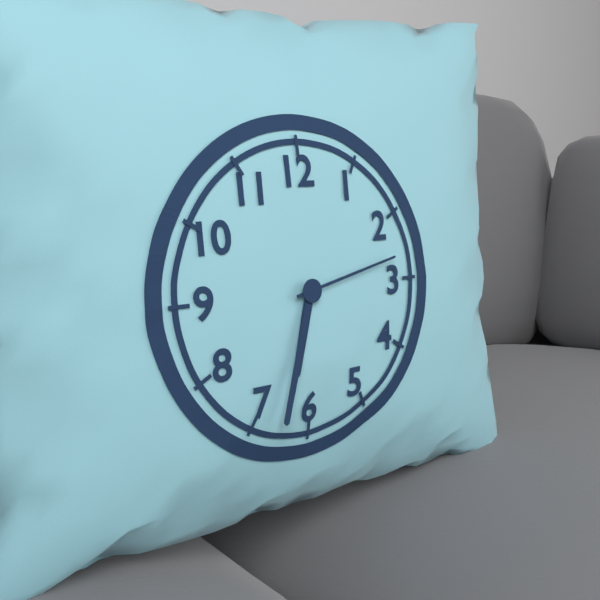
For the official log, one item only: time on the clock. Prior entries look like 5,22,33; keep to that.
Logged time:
6,33,13
